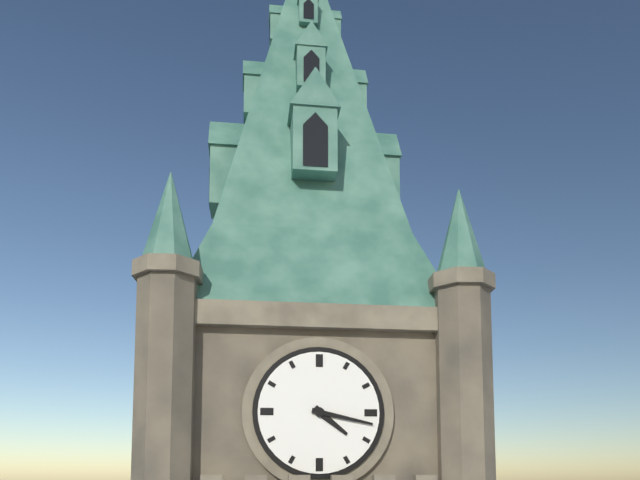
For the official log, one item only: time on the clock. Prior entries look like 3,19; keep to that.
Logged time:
4,17
